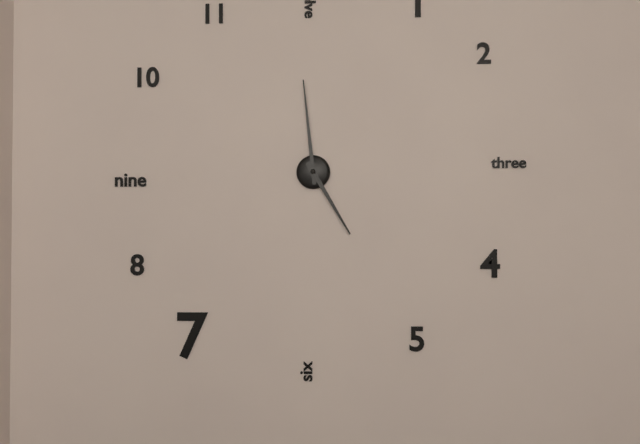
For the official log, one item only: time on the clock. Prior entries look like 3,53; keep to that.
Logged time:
4,59
